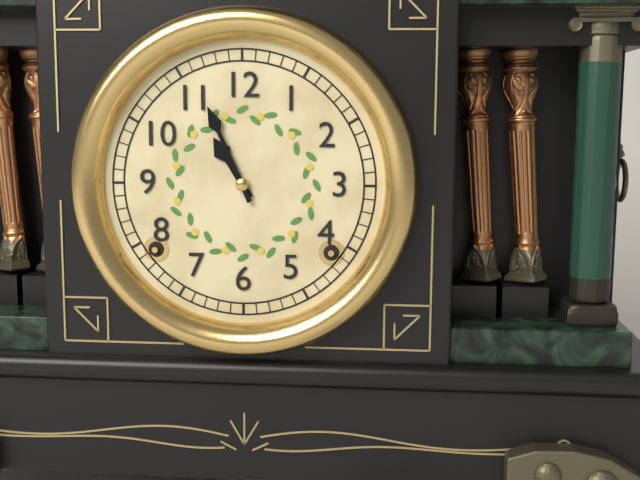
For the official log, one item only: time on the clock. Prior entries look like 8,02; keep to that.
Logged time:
10,56
